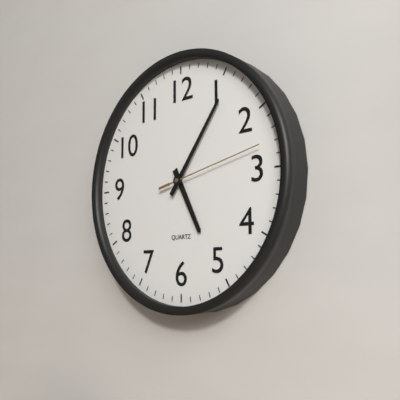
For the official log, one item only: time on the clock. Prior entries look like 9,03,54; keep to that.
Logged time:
5,06,13
